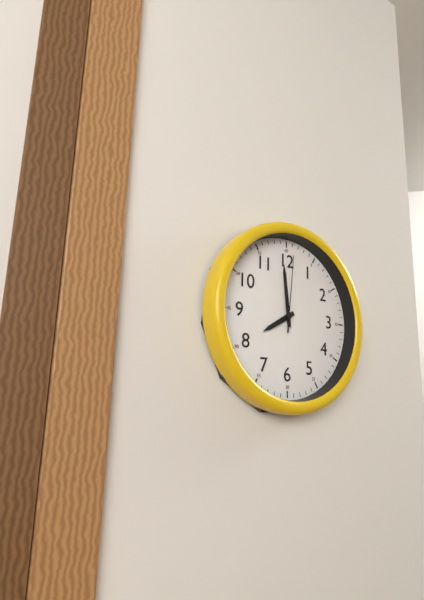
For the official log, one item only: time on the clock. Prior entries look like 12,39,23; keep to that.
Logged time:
7,59,01
